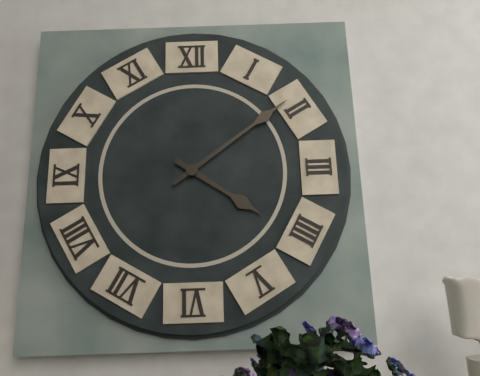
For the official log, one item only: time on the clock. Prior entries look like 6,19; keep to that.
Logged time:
4,09
